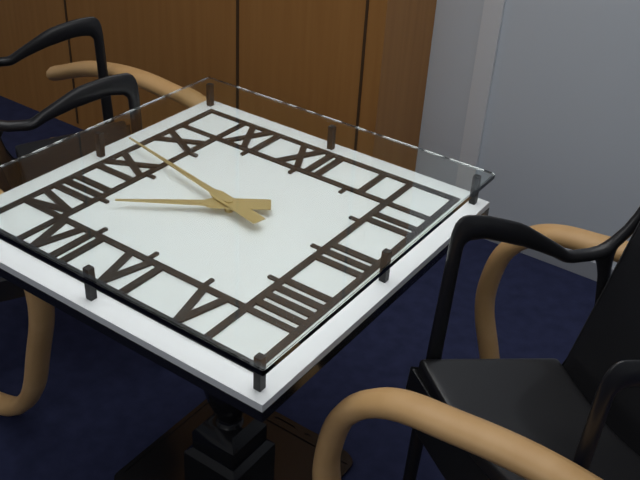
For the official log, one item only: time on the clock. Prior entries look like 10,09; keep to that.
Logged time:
7,47
